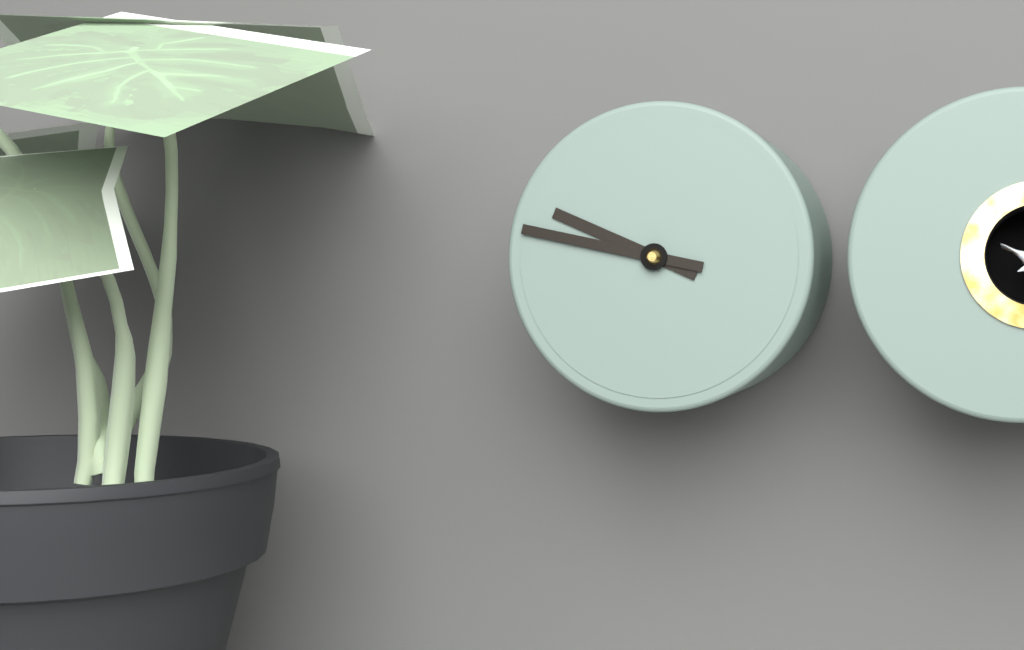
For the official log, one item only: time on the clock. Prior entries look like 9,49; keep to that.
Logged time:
9,47
